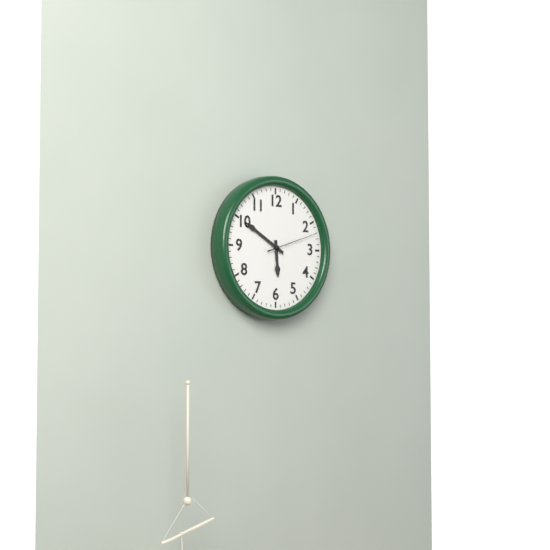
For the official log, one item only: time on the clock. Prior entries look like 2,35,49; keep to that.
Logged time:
5,50,12
